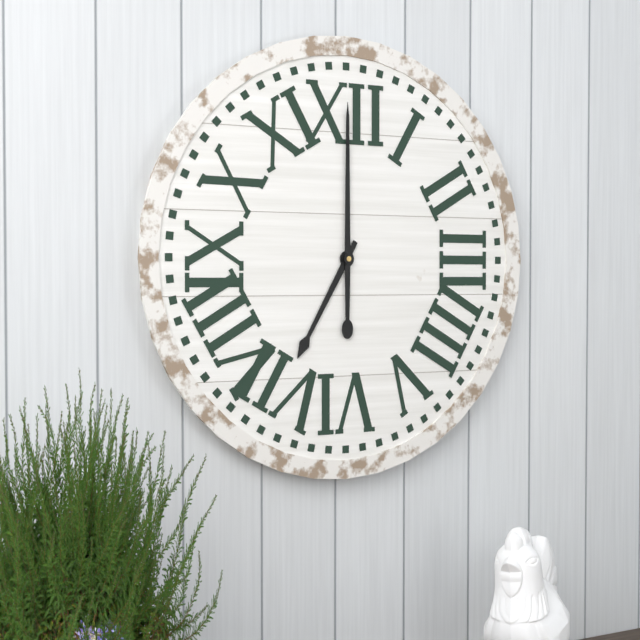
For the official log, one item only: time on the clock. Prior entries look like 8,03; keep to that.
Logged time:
7,00
